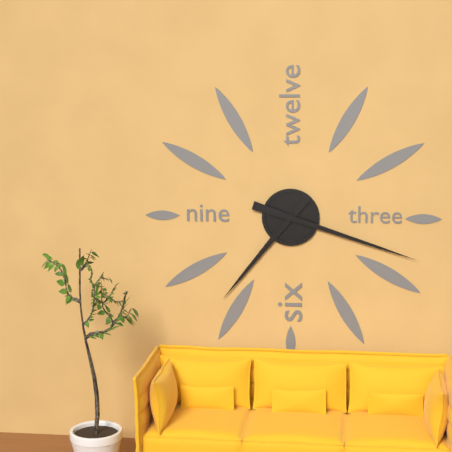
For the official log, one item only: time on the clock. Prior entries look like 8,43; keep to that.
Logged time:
7,18
